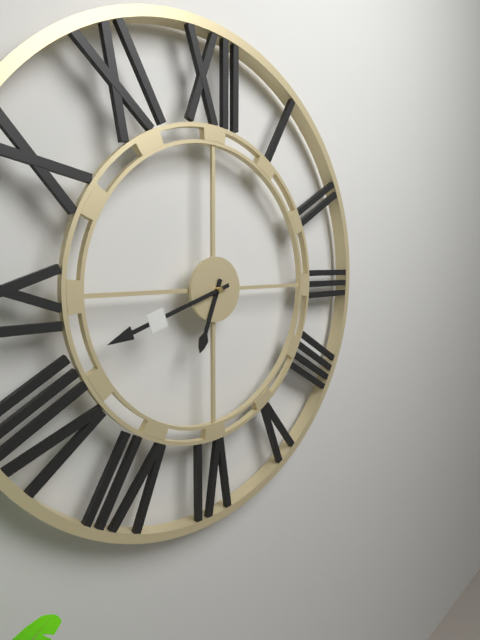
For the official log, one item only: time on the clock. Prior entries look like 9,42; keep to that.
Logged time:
6,42
